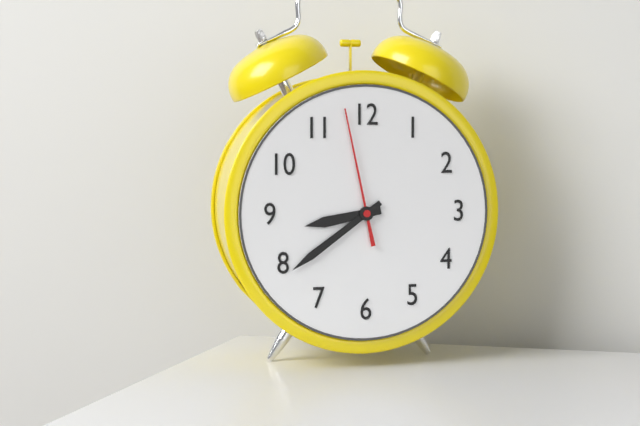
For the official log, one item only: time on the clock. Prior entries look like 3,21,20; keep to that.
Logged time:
8,39,58
